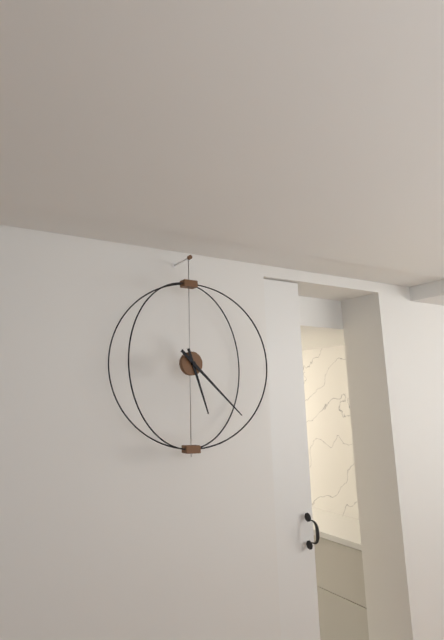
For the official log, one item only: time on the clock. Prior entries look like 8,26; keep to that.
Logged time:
5,22
